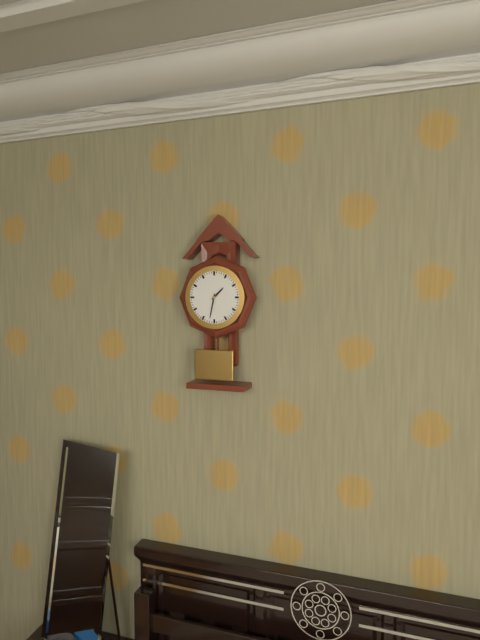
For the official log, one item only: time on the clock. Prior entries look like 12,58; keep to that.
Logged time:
1,32
